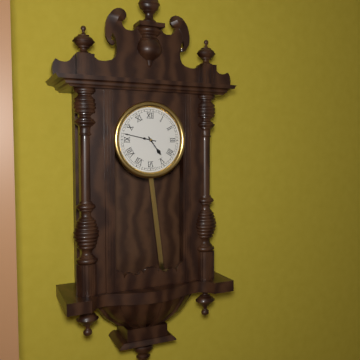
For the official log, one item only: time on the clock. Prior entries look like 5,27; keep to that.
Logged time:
4,47
